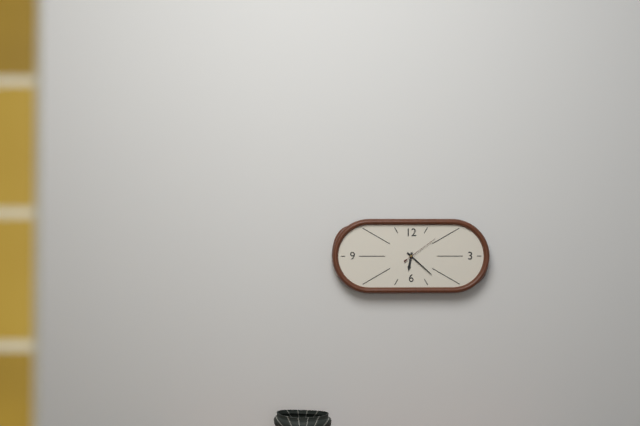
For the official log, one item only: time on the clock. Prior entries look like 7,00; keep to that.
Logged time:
6,22
